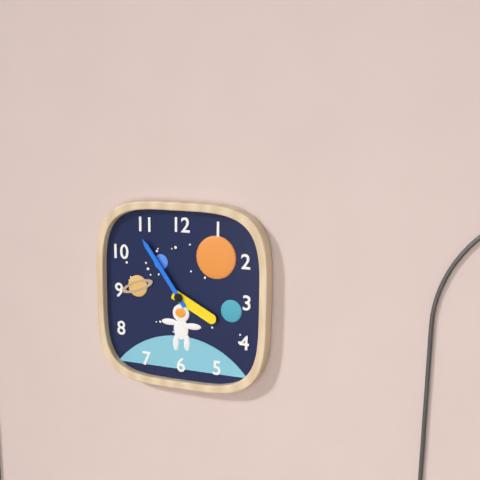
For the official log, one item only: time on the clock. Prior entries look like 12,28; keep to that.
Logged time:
3,54
